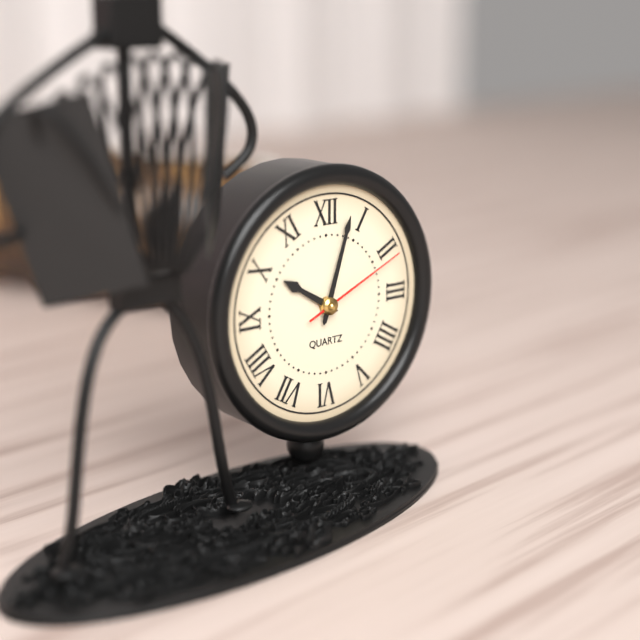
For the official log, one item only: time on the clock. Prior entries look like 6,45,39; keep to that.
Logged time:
10,03,11
